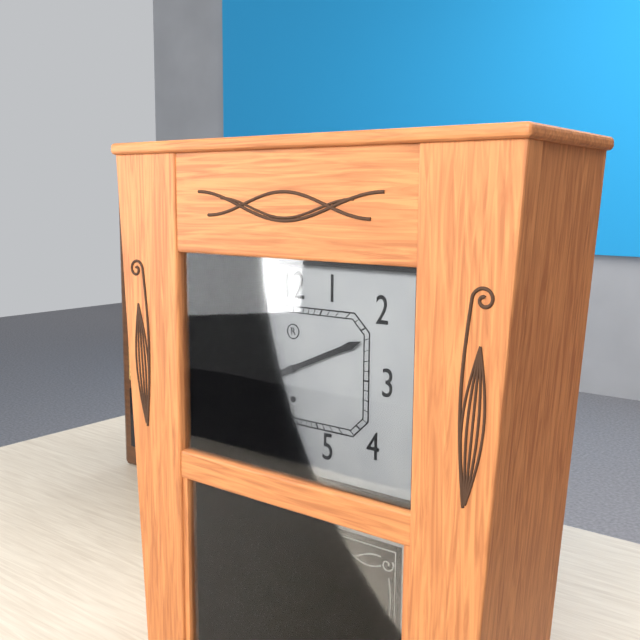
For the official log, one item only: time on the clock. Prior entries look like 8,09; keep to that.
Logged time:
8,11
